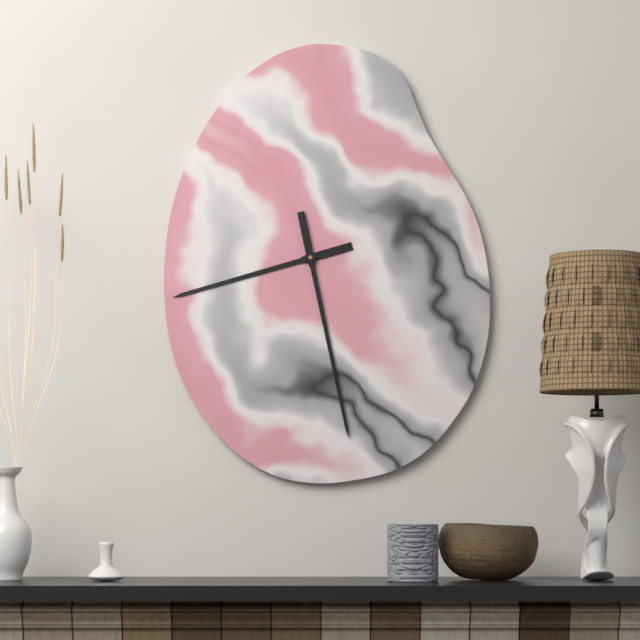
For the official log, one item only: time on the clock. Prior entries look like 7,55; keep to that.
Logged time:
8,28
